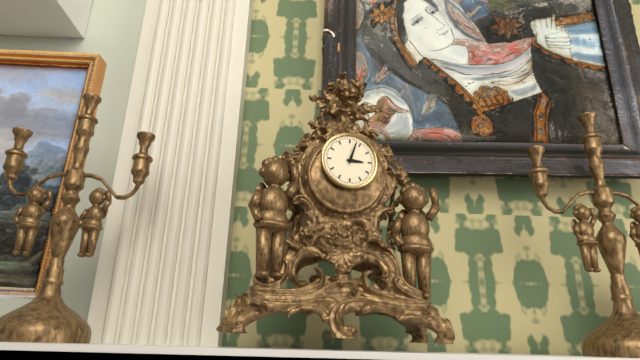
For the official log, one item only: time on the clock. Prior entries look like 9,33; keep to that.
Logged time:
3,03
